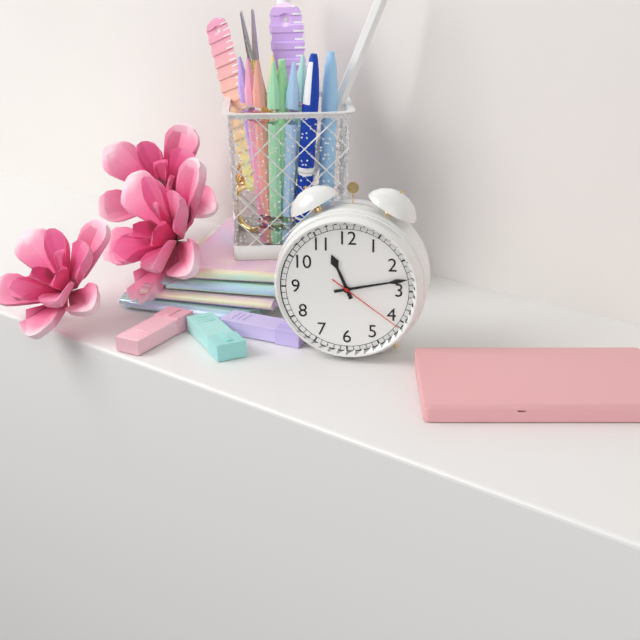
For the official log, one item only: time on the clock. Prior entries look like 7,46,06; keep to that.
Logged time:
11,13,21
